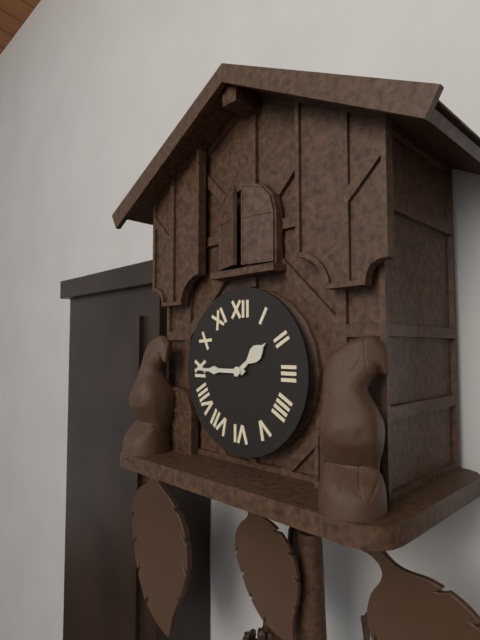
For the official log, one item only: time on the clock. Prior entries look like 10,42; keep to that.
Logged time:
1,45
